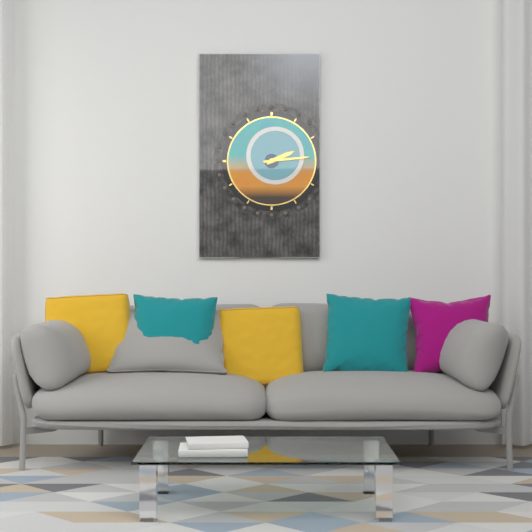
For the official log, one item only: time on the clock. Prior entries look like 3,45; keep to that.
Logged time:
2,14
